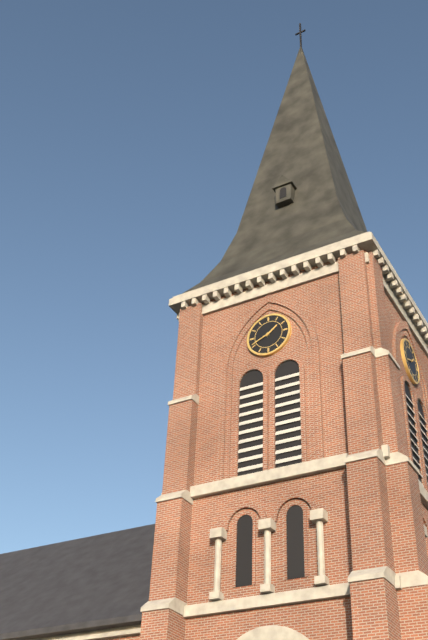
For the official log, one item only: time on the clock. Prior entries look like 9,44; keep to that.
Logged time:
1,41
